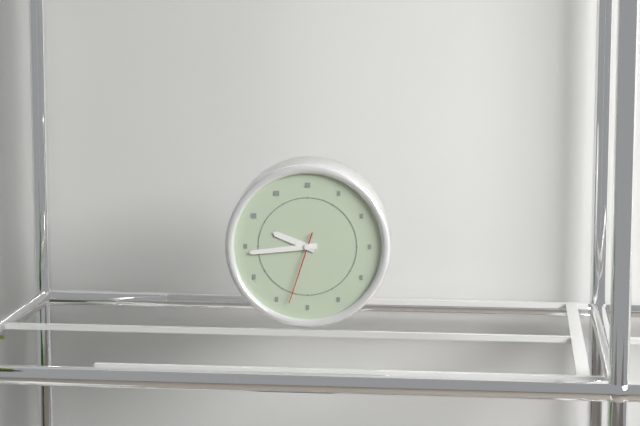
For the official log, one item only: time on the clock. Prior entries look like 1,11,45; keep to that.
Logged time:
9,44,33
